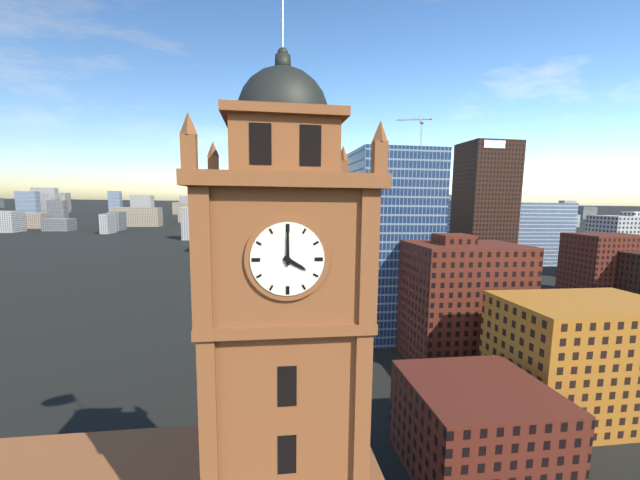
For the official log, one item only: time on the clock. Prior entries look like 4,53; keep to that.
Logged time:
4,00
